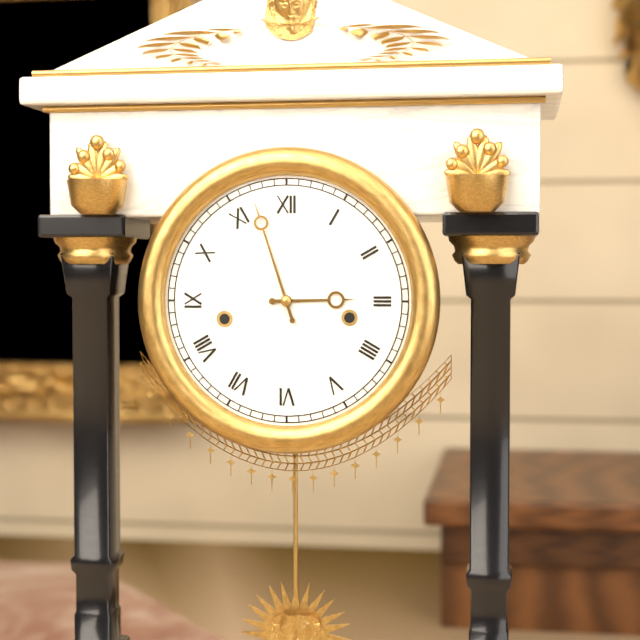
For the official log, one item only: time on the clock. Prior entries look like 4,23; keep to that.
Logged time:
2,57
